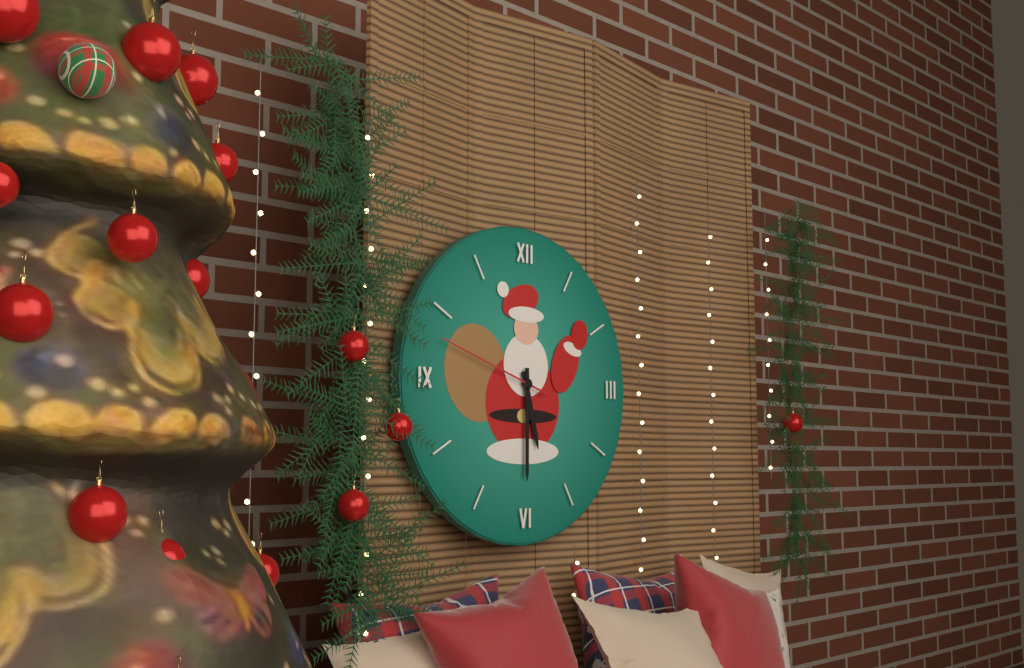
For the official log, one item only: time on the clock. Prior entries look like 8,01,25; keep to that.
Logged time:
5,30,48
